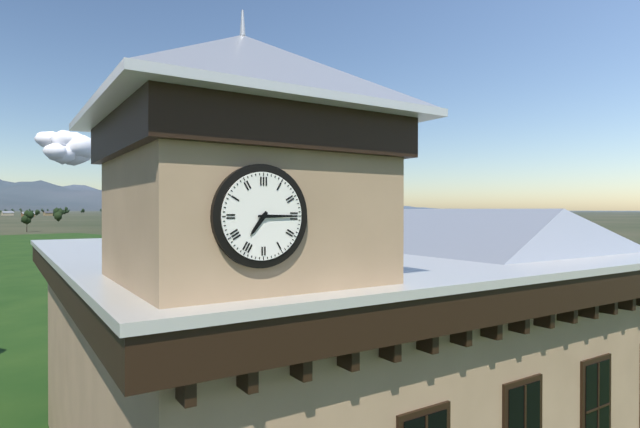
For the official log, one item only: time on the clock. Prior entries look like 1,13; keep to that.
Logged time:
7,15
